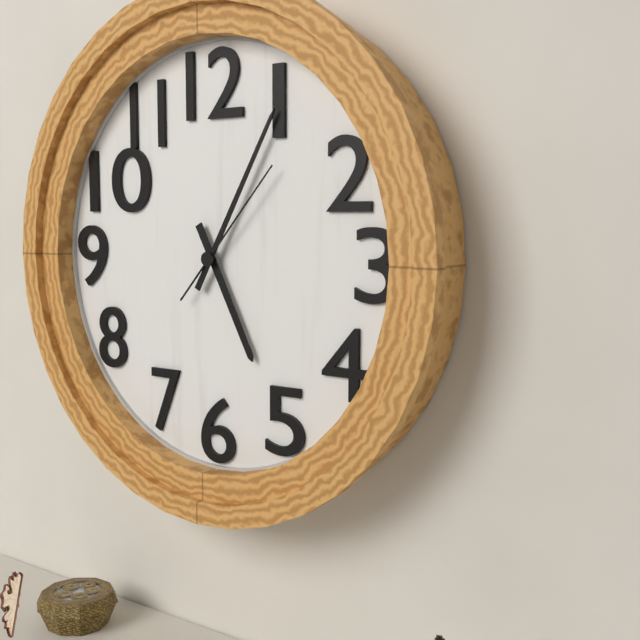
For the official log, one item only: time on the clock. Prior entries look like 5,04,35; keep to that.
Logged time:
5,05,07
